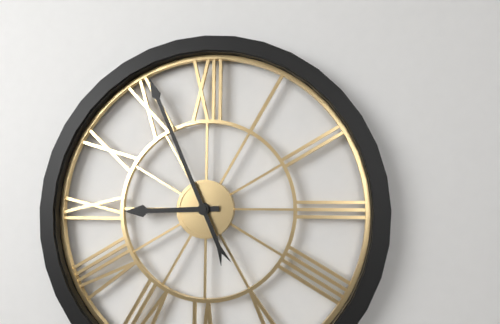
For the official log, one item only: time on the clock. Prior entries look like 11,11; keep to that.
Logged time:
8,56
